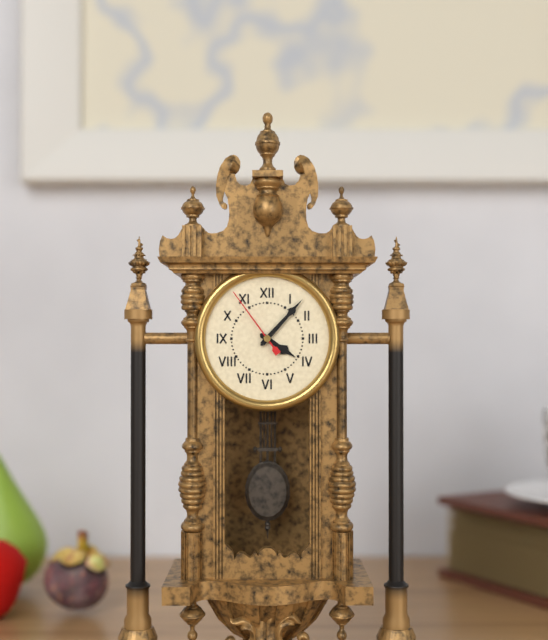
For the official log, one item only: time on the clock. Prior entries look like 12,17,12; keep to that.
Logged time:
4,07,54
